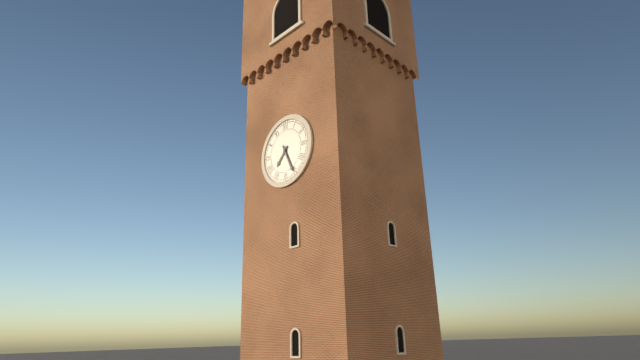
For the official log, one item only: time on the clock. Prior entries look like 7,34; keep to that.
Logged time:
7,26
